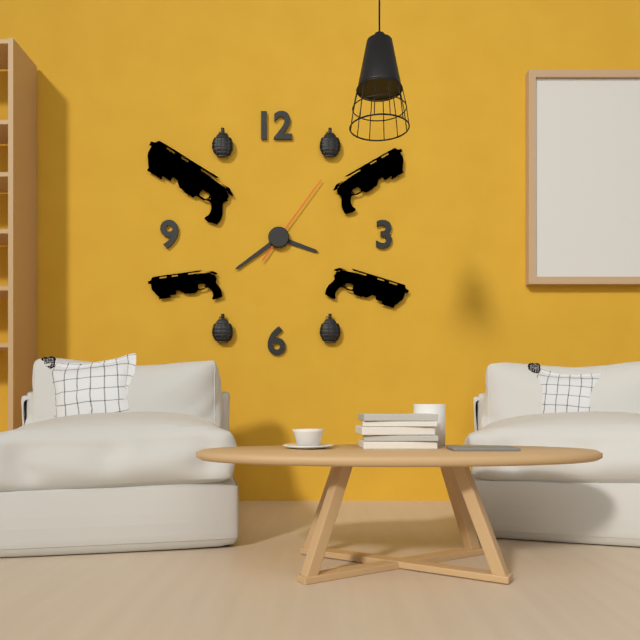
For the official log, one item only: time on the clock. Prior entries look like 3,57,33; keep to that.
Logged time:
3,39,06
